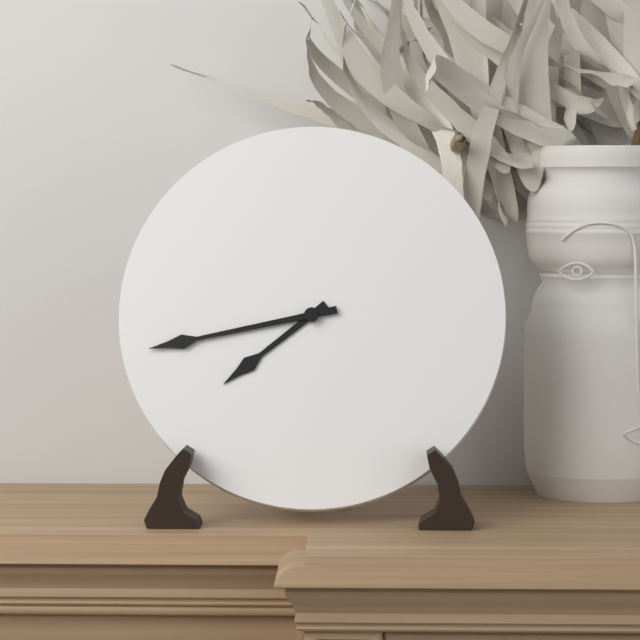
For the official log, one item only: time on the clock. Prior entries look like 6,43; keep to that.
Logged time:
7,43
